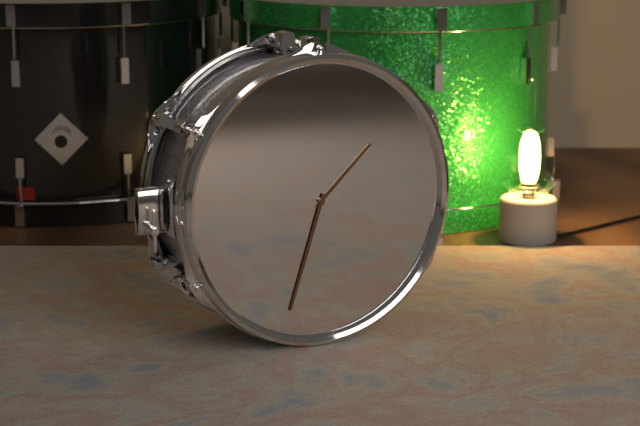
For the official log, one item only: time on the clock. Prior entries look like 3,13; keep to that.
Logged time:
1,33
